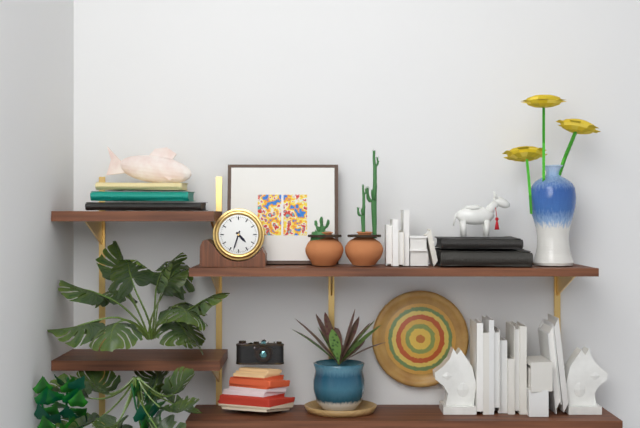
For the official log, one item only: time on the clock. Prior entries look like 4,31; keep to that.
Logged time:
4,33
